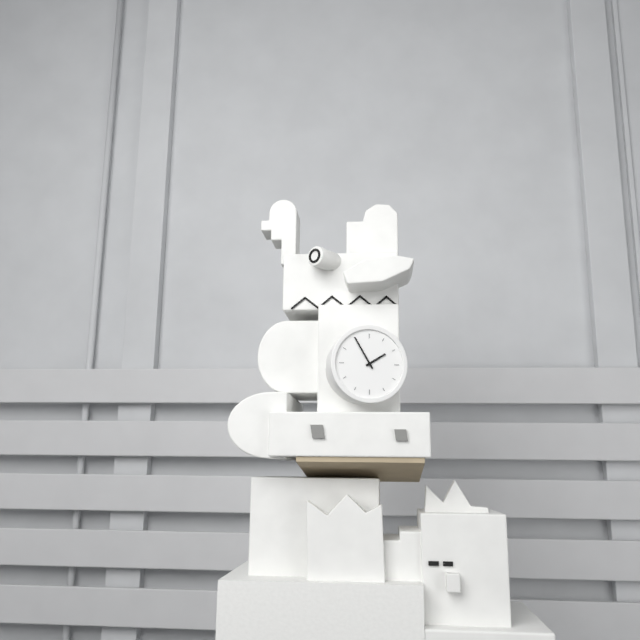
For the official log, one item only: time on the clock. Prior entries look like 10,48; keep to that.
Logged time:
1,55
